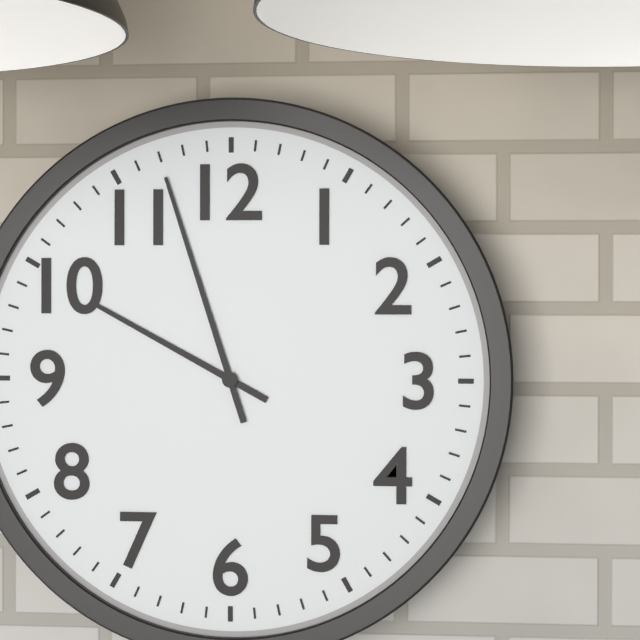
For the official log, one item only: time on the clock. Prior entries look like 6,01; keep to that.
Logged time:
9,57
